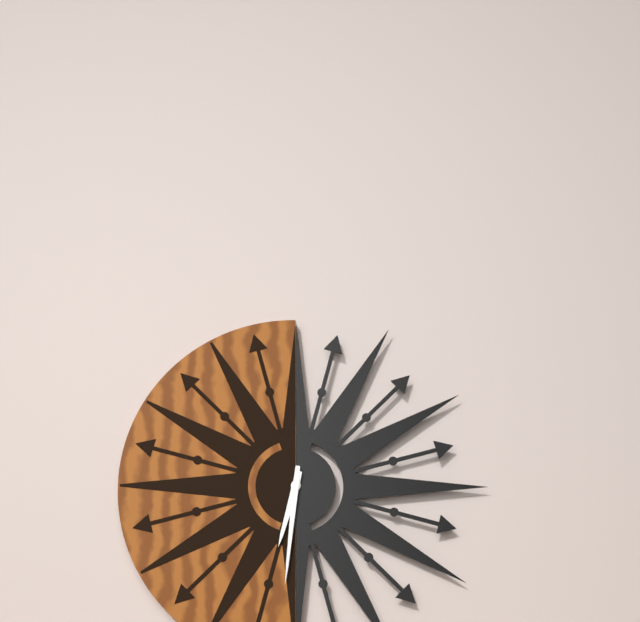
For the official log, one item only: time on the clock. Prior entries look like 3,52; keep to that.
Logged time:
6,31
